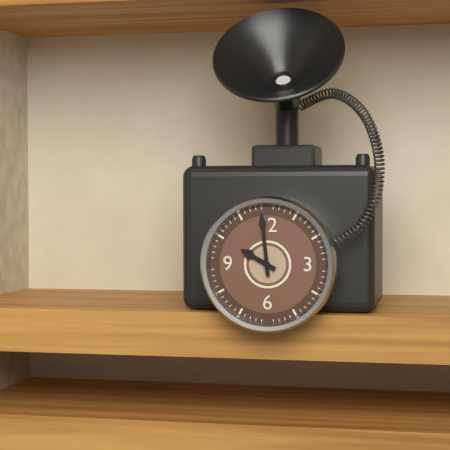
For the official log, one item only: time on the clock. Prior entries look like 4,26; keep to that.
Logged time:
9,59
